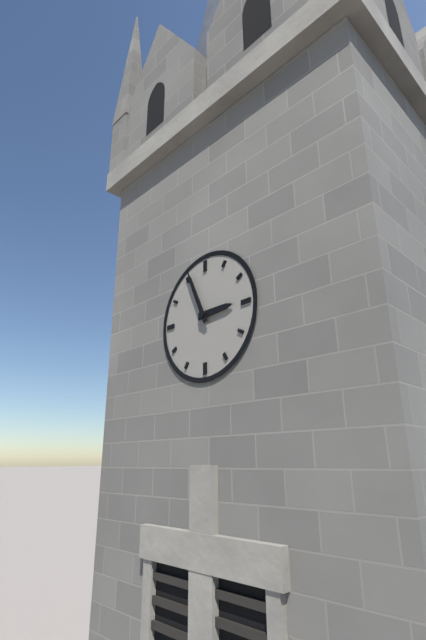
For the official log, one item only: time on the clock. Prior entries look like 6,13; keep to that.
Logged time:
2,56
